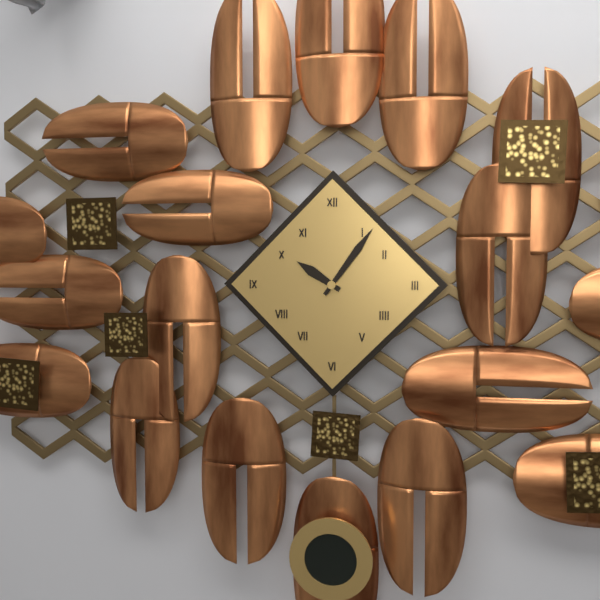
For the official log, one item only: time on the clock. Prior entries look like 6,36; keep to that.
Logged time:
10,06
